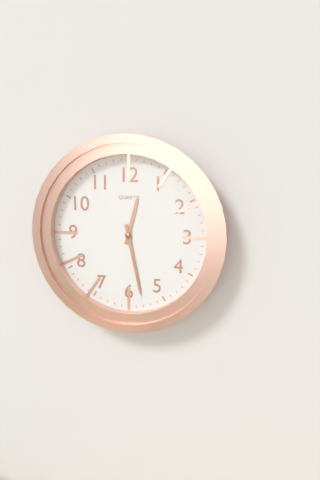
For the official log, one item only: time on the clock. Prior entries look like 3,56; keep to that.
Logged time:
12,28
